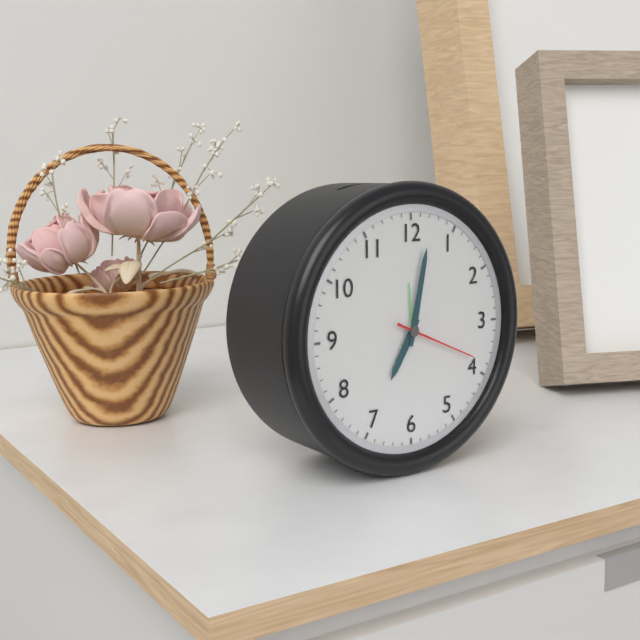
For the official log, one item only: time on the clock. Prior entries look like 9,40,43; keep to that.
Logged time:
7,02,19
